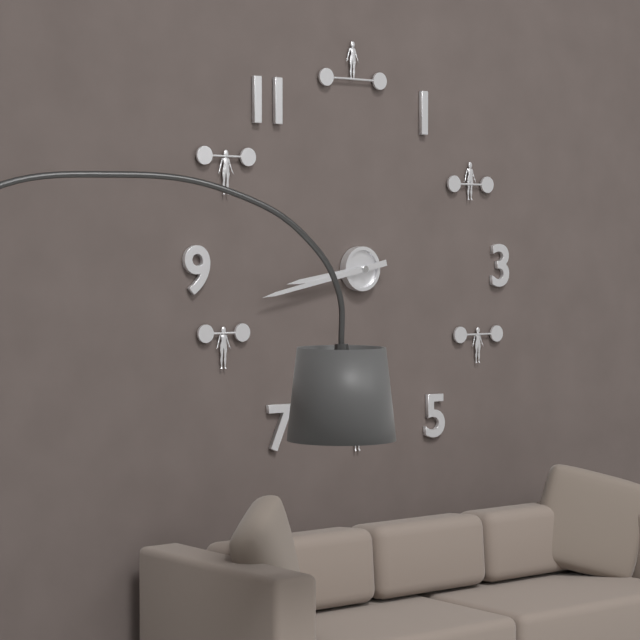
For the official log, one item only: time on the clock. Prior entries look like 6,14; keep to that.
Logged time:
8,43
